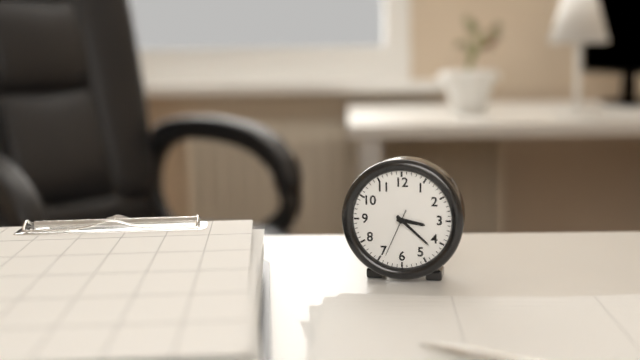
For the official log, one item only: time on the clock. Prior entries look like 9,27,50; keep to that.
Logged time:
3,22,34
